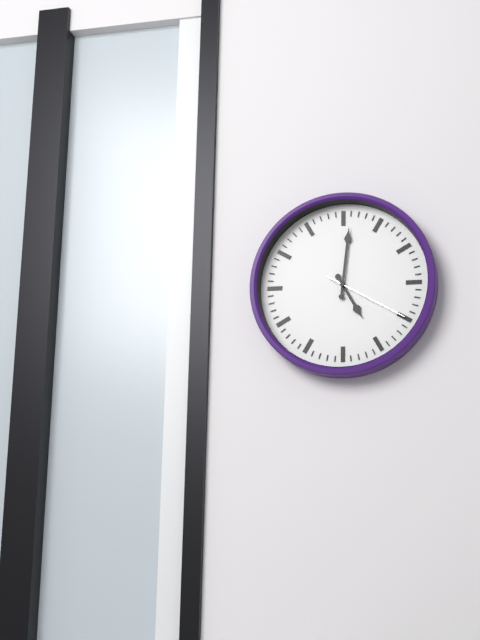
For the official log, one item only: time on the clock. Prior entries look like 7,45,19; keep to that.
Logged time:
5,01,20
